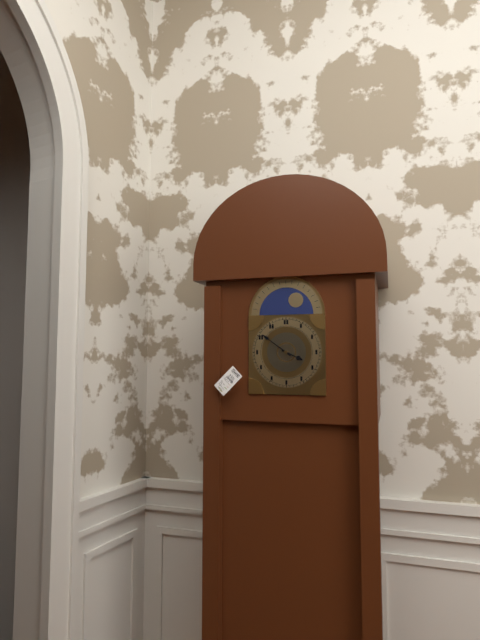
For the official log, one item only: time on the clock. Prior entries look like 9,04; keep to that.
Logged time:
3,51
